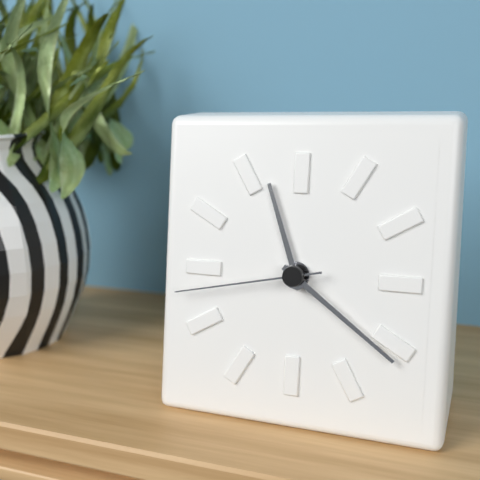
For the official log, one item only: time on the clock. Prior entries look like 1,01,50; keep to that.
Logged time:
11,21,43
